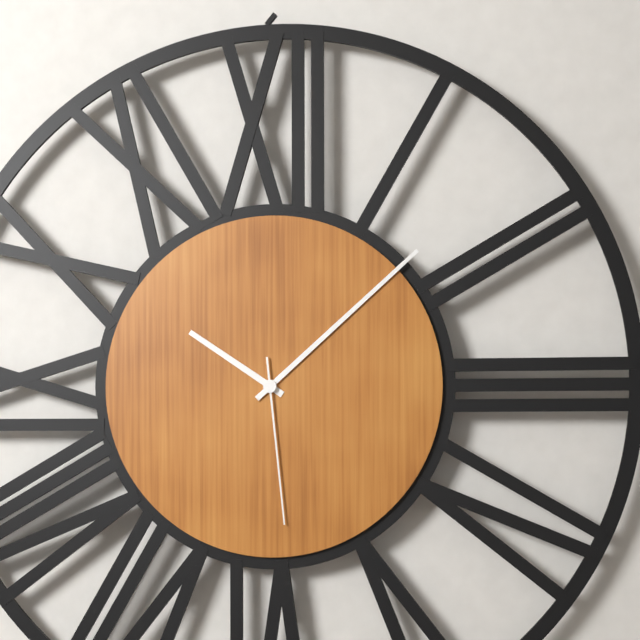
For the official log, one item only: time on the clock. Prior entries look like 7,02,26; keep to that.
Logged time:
10,08,29
